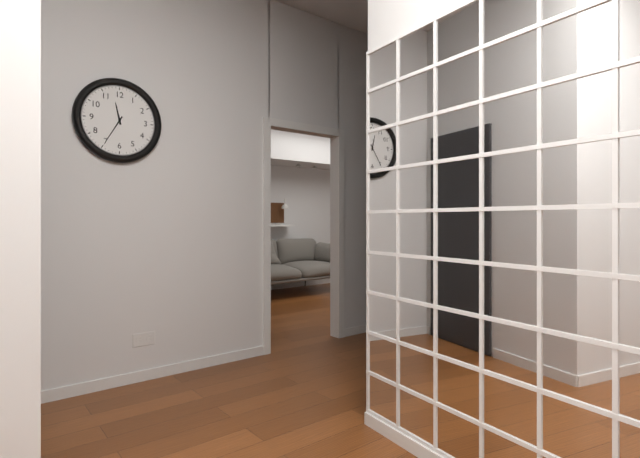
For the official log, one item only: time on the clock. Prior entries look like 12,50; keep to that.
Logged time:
11,35
